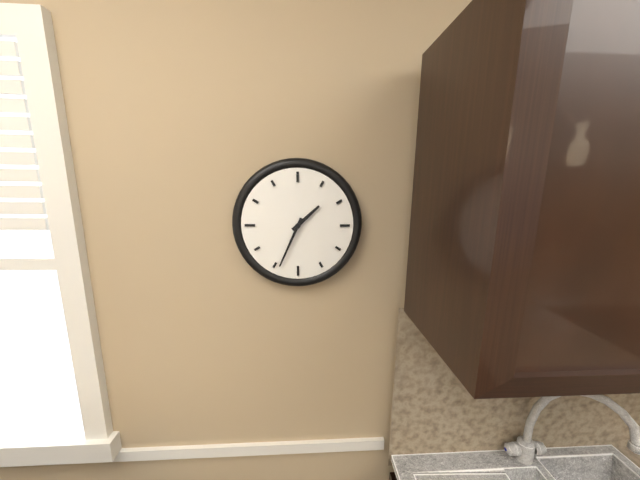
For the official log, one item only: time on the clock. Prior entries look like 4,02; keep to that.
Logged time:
1,34
